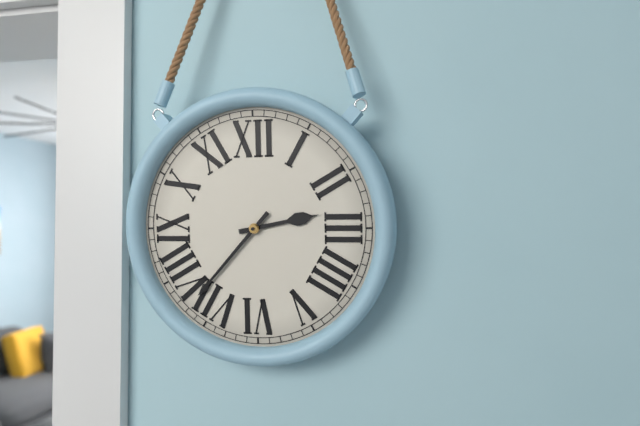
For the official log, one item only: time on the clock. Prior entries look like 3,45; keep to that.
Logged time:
2,37
